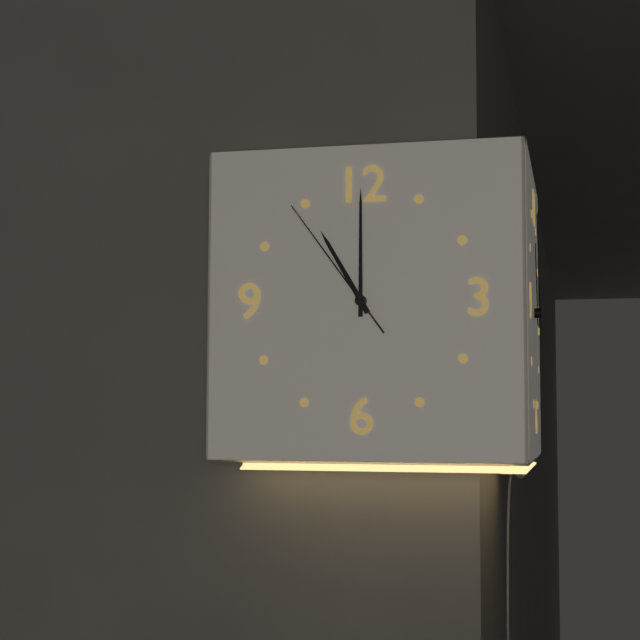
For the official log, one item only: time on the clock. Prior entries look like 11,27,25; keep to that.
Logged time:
11,00,54
